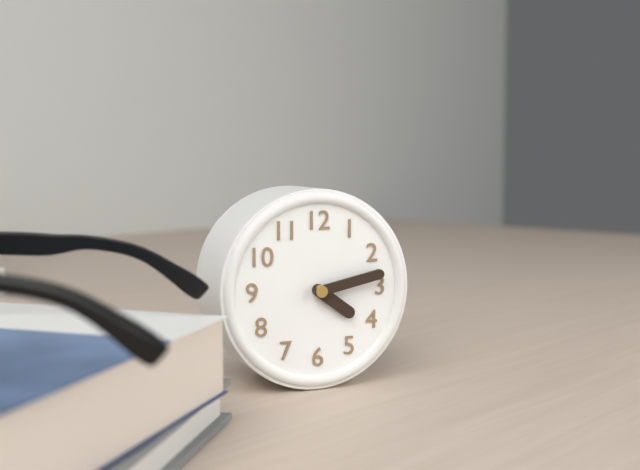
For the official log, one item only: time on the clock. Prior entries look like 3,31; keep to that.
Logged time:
4,13
